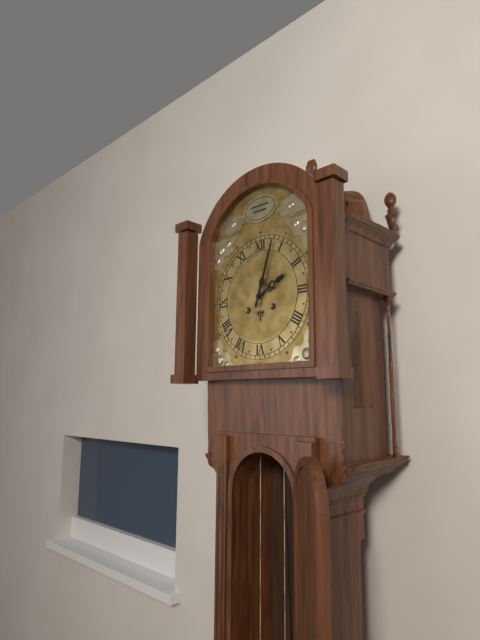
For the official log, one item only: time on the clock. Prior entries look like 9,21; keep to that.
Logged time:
2,03
